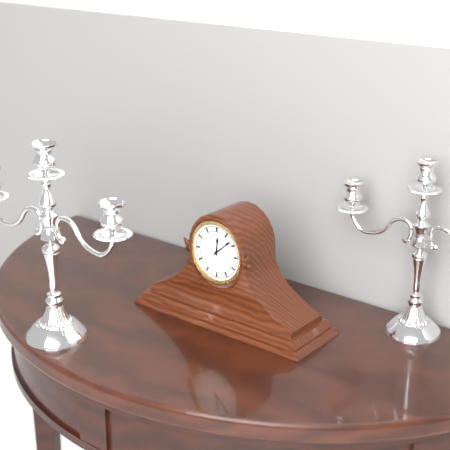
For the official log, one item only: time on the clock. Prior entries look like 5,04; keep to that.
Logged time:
12,08
